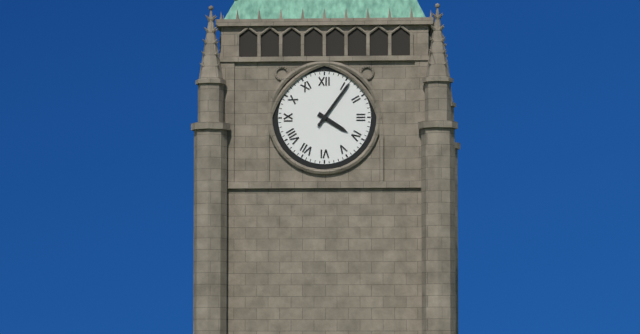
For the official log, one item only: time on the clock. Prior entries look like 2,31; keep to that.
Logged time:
4,06
